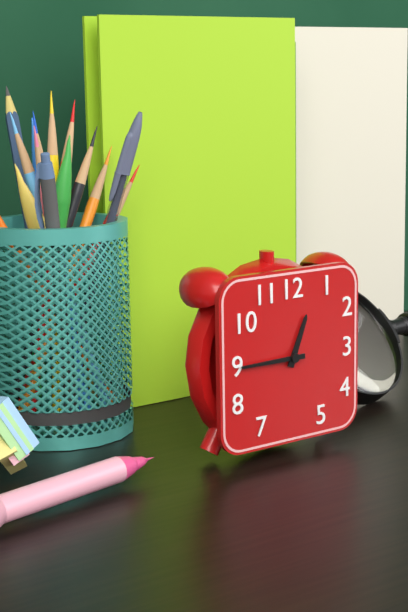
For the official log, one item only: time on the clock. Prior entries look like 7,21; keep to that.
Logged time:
12,45
